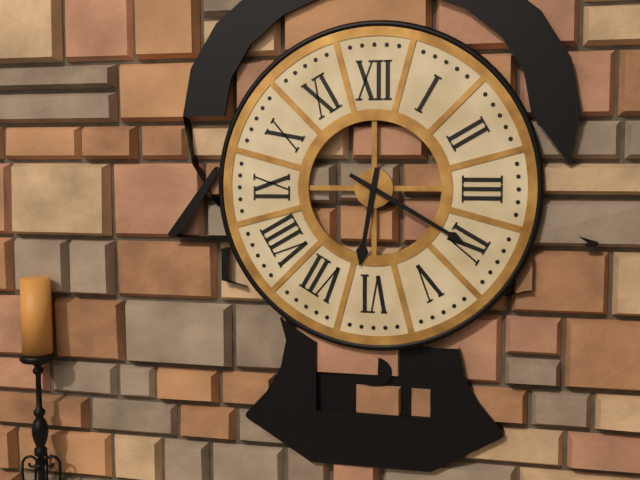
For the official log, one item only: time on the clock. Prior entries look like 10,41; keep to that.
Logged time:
6,20
